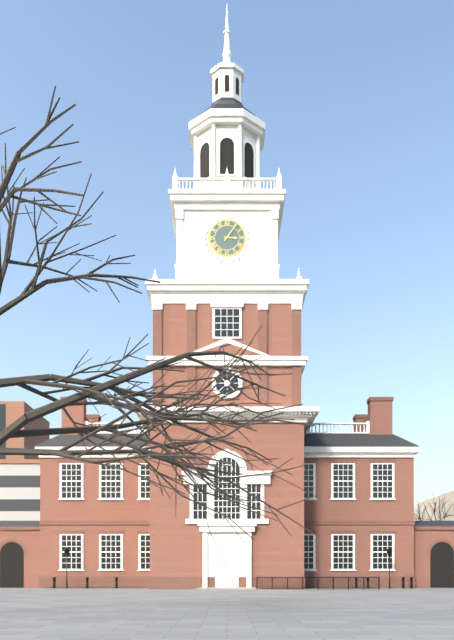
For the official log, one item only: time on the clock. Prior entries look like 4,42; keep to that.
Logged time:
3,06
